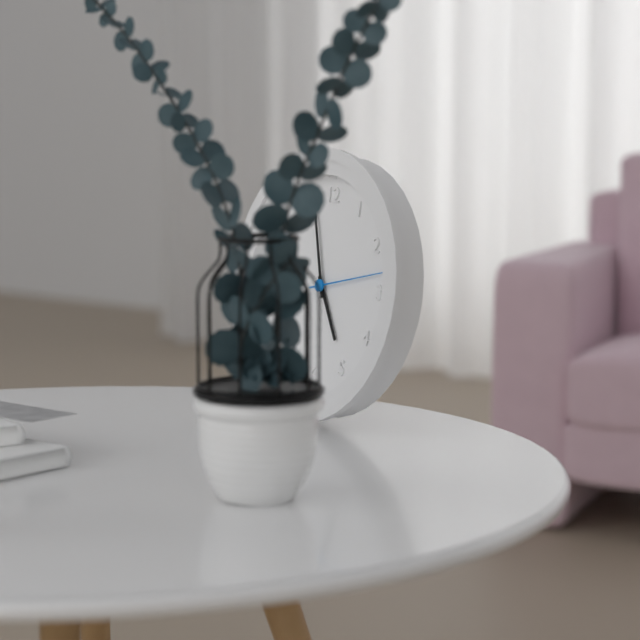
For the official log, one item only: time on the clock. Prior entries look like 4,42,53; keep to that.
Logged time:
4,57,13
